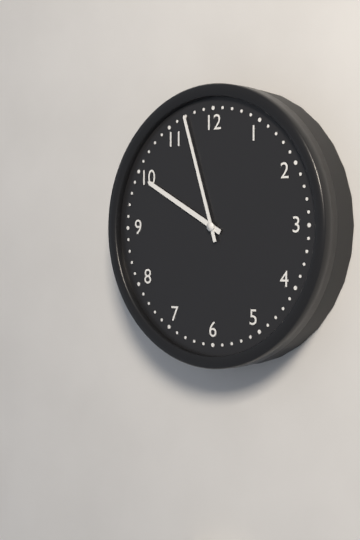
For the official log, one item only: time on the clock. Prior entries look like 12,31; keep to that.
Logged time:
9,57
